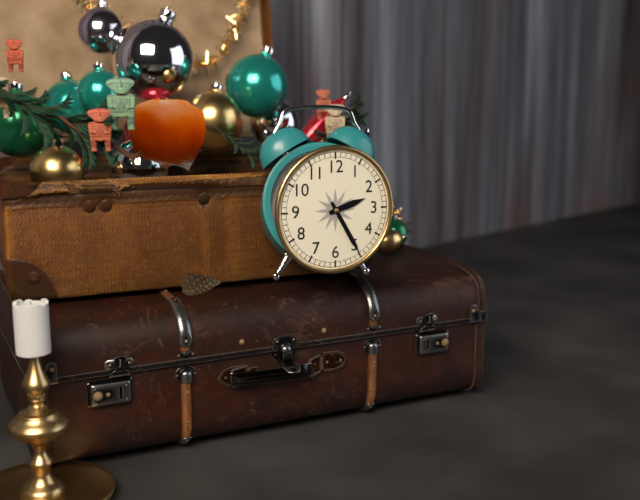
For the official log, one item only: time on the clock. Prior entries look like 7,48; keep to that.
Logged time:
2,25
